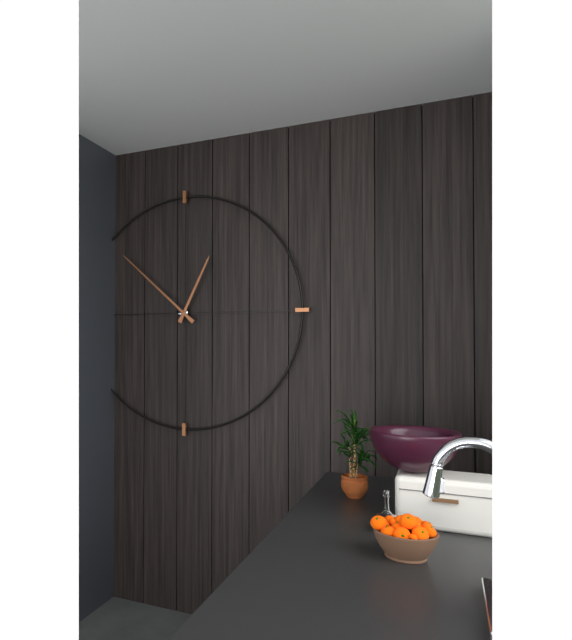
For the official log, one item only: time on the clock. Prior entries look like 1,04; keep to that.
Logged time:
12,52
